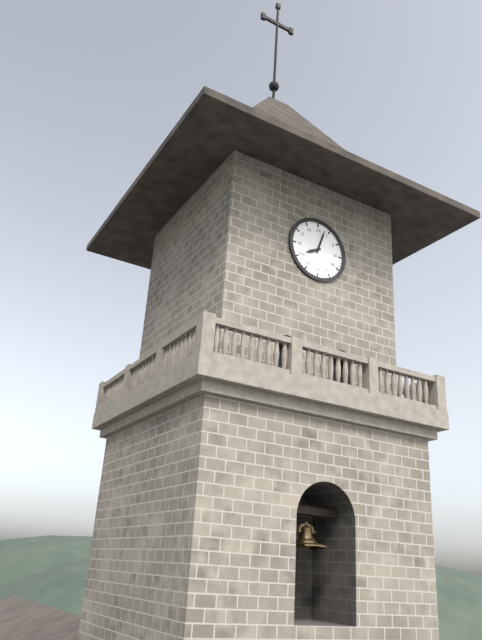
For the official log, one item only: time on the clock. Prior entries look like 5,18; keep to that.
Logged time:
8,03
